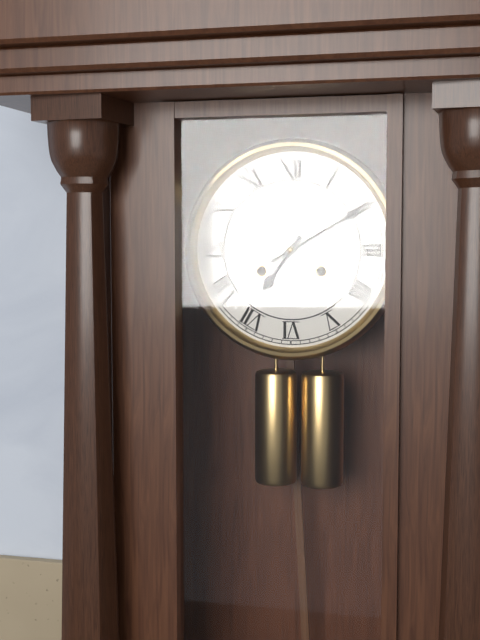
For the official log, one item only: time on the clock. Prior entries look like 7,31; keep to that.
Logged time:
7,10
